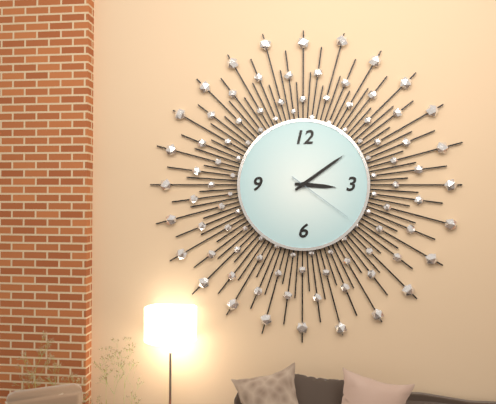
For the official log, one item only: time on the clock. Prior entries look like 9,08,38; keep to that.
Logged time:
3,09,21
